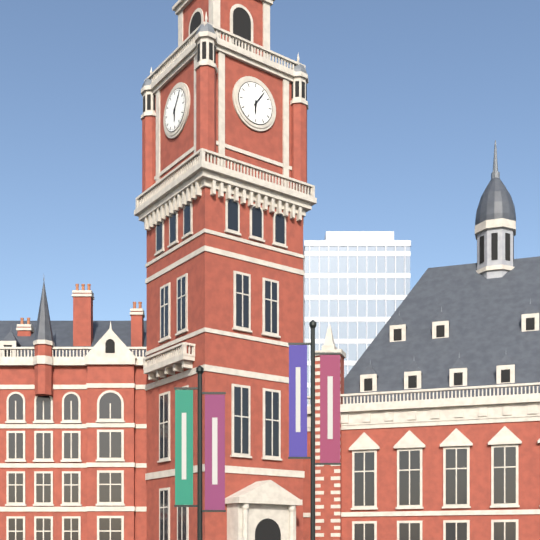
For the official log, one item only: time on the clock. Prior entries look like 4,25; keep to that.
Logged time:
6,06
